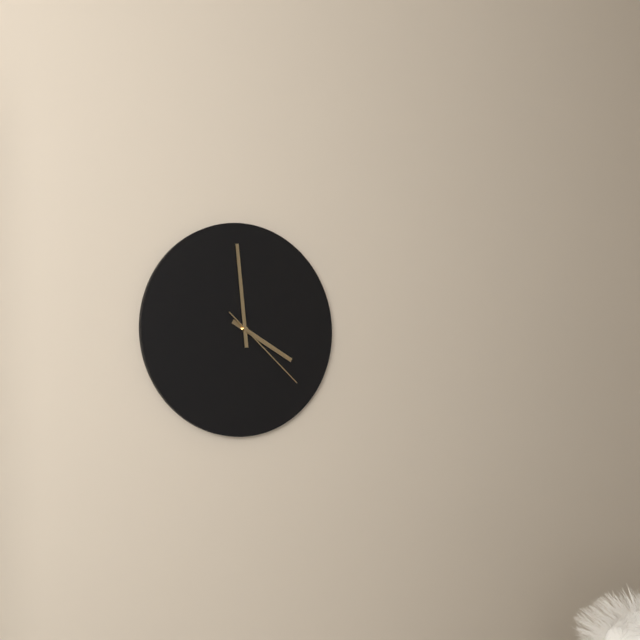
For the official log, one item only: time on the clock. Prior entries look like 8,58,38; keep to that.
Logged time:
3,59,22
